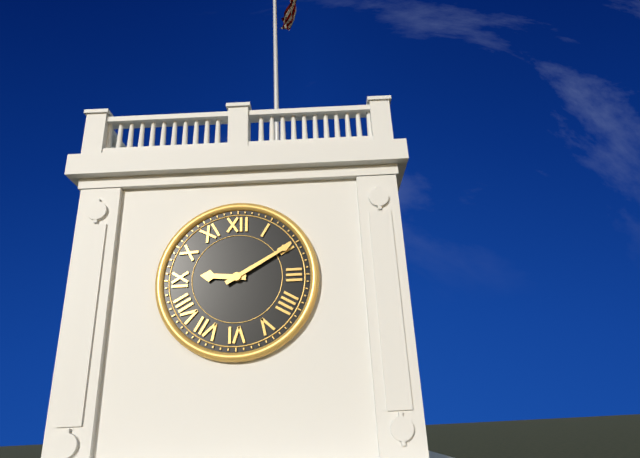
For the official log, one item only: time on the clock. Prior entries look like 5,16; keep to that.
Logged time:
9,10
